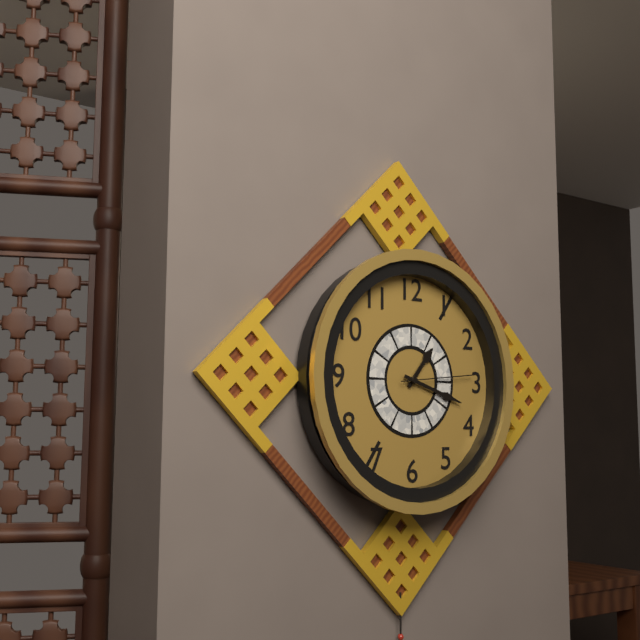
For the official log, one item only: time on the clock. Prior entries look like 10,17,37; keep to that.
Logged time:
1,18,14
